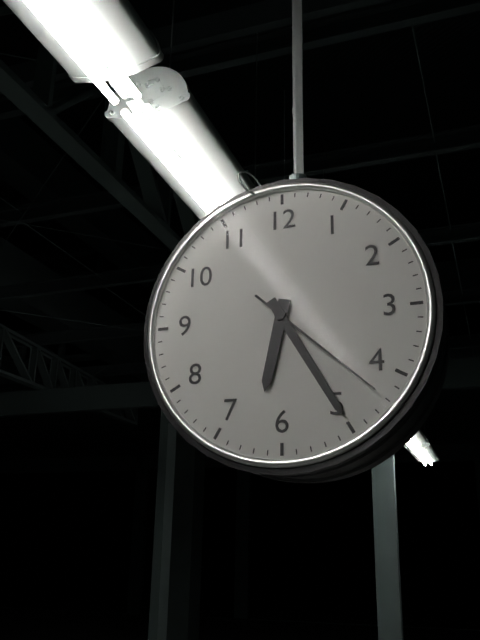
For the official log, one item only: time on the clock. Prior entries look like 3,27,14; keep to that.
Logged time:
6,25,22
